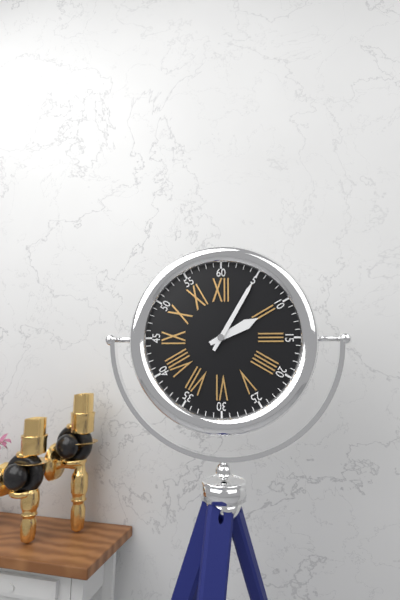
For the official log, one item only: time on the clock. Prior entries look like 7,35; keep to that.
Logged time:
2,05
